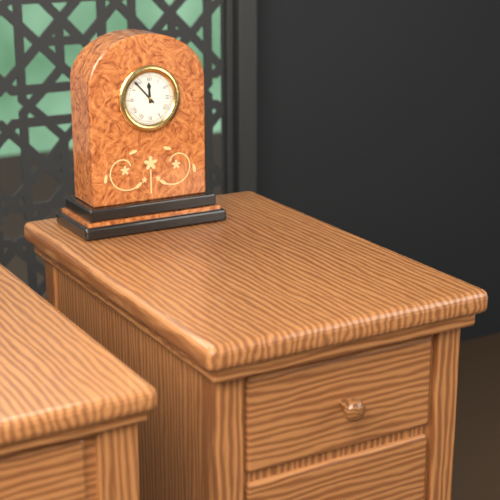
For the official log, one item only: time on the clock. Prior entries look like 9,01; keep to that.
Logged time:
11,53
